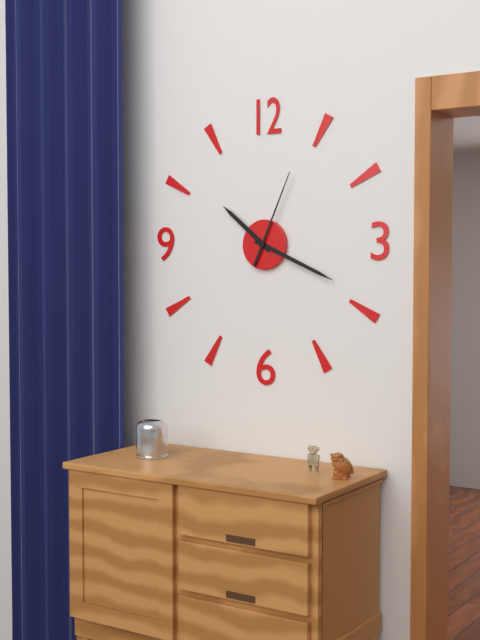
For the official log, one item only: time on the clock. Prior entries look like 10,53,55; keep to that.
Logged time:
10,19,04
